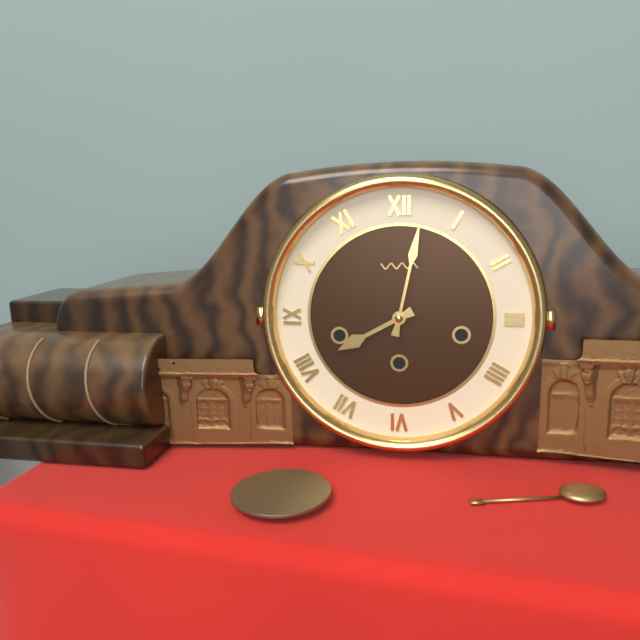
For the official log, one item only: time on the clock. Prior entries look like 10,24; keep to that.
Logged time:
8,02
